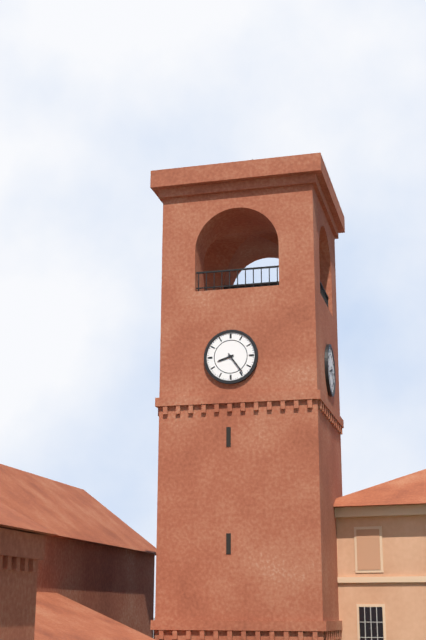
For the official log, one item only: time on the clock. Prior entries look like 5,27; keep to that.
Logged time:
8,24
